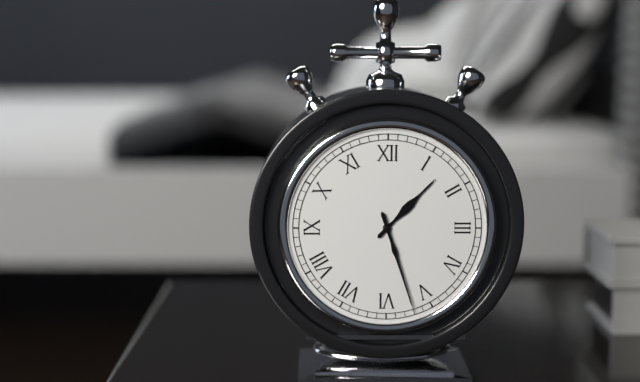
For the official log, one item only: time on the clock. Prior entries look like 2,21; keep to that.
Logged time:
1,27
